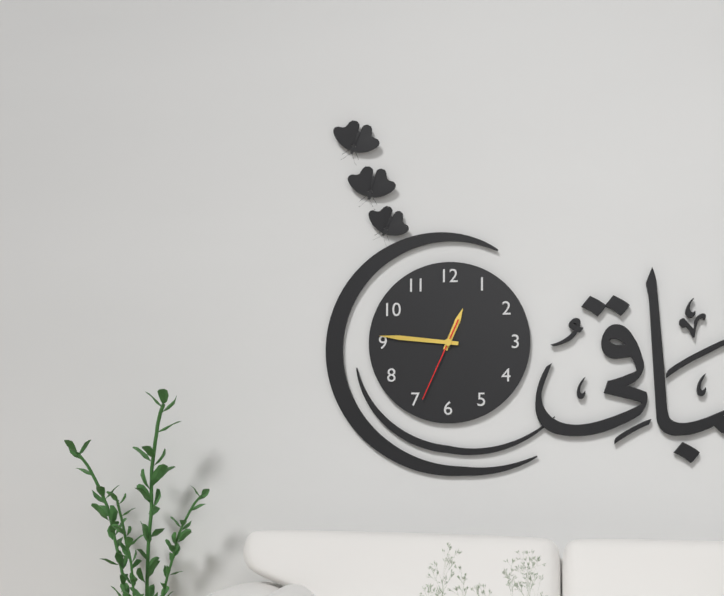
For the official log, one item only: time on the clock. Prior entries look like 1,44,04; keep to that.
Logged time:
12,46,34
